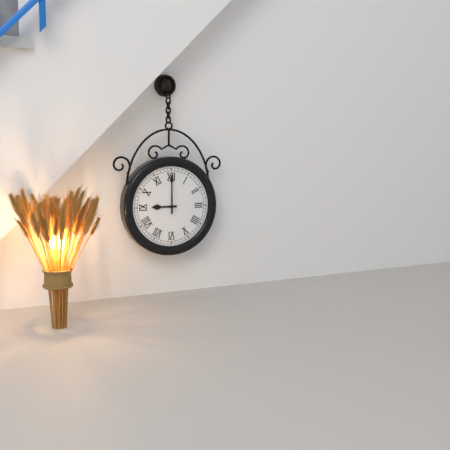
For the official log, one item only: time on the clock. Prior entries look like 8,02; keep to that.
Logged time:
9,00
